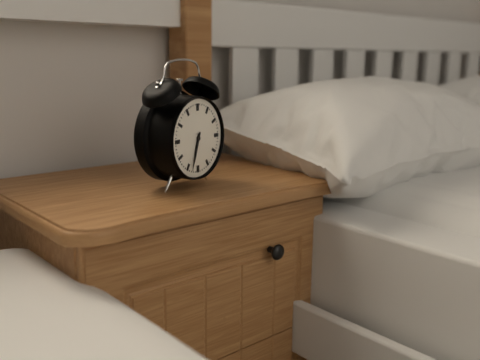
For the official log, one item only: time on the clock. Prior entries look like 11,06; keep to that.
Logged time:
6,33
